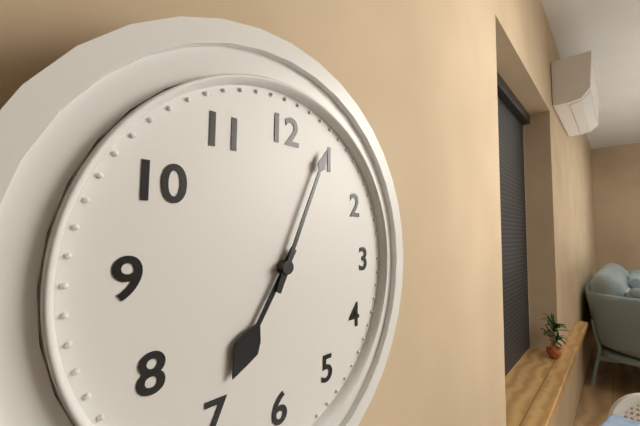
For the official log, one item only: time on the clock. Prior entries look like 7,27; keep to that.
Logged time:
7,04
